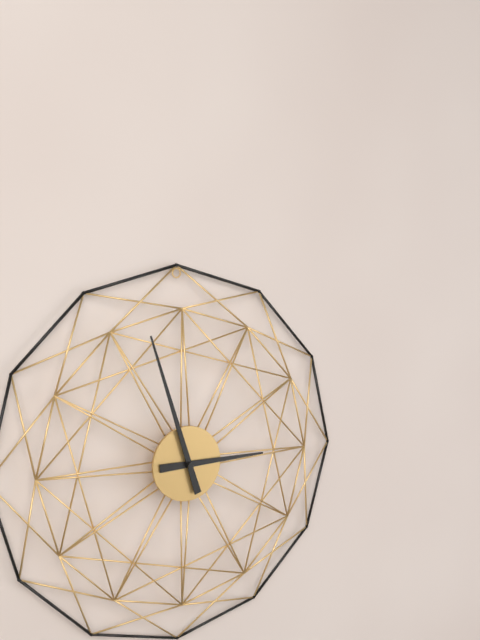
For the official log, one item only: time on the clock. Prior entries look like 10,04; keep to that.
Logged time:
2,57
